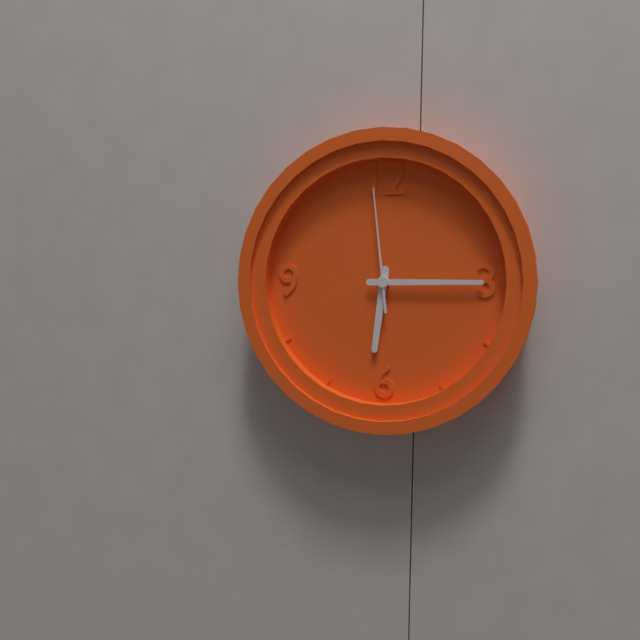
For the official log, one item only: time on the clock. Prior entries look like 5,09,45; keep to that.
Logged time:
6,15,59
